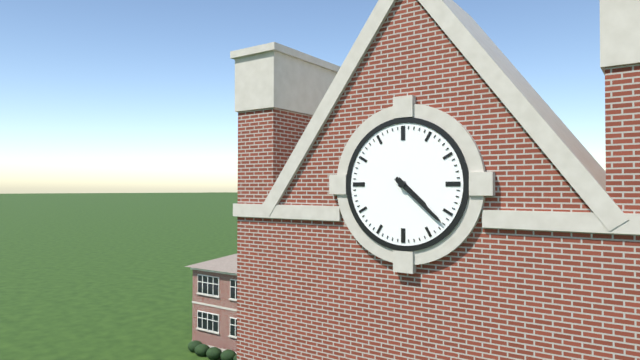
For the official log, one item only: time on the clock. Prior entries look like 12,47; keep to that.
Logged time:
4,22
